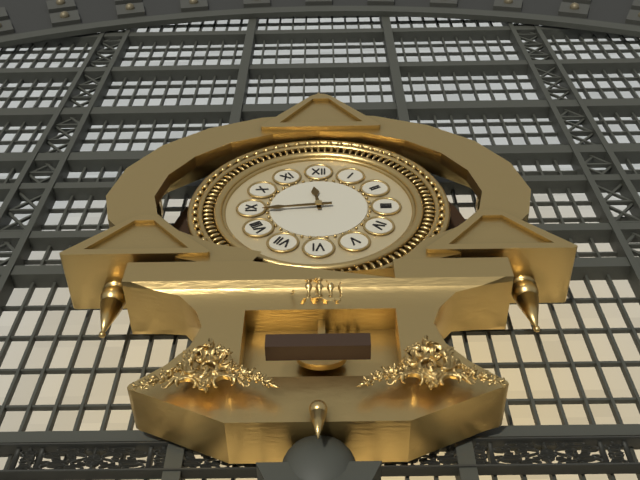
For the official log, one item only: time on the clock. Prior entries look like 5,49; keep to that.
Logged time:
11,44
